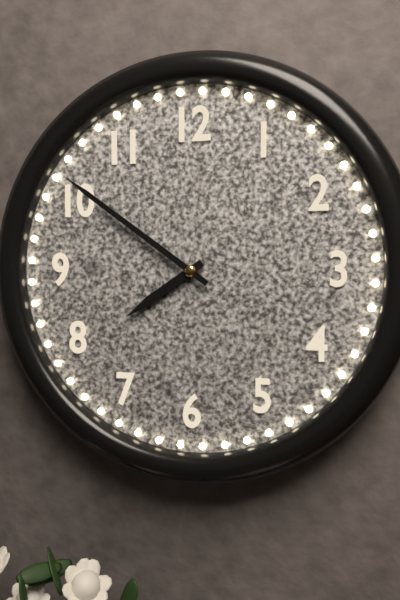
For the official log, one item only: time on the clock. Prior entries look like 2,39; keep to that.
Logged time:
7,51
